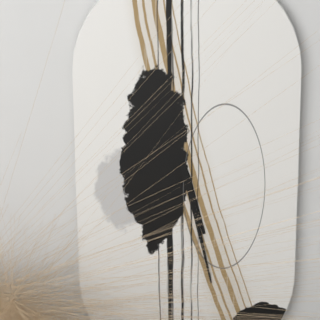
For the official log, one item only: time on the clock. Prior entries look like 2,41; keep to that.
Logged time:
5,28
